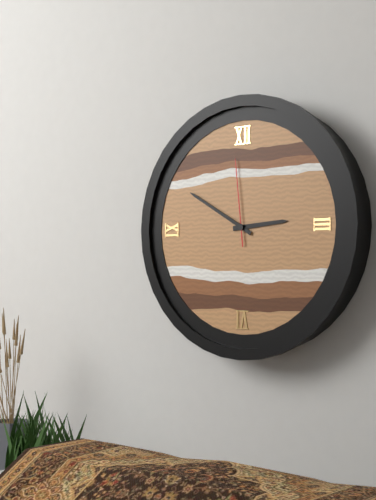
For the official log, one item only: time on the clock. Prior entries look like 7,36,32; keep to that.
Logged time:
2,50,59
